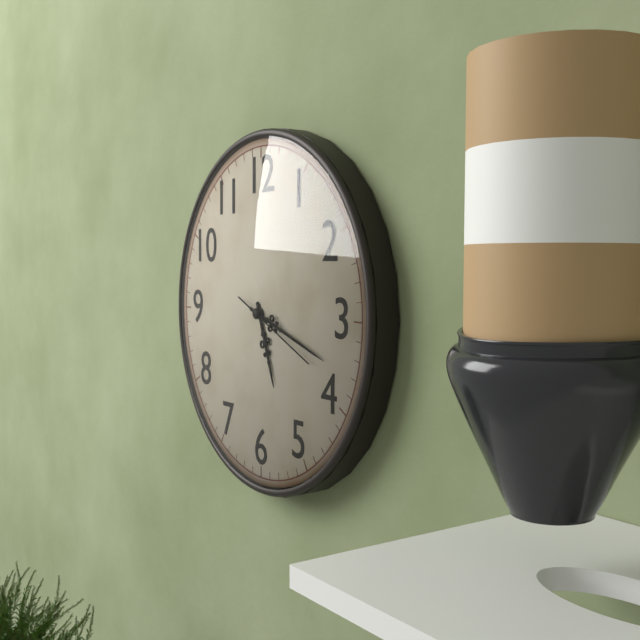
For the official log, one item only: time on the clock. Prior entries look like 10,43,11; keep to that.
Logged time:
5,18,19
